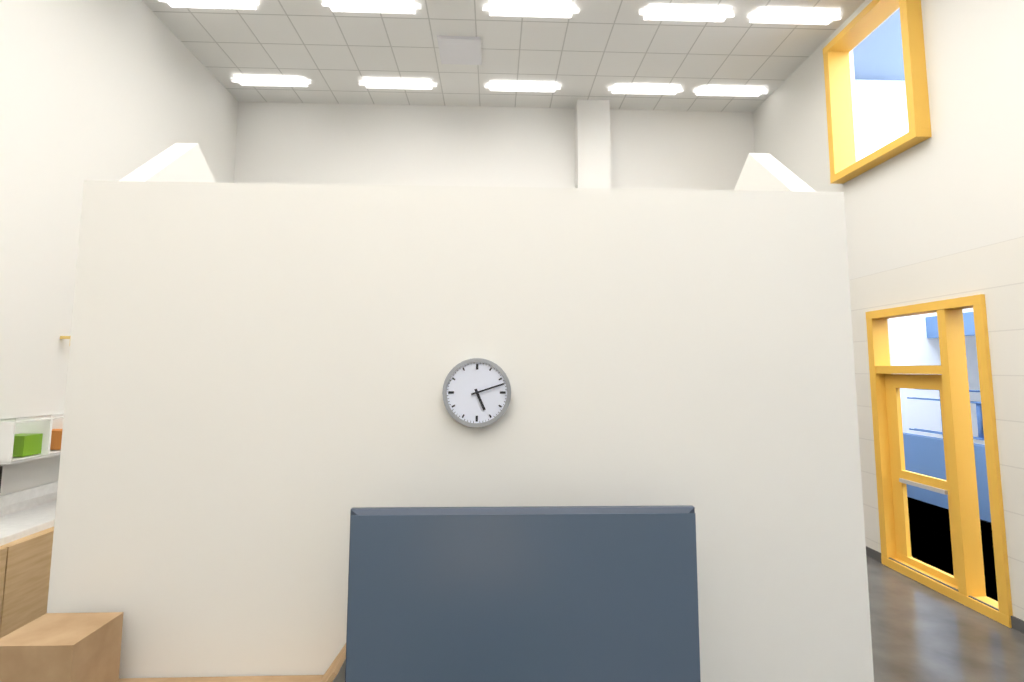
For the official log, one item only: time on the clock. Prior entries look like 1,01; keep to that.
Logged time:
5,12
